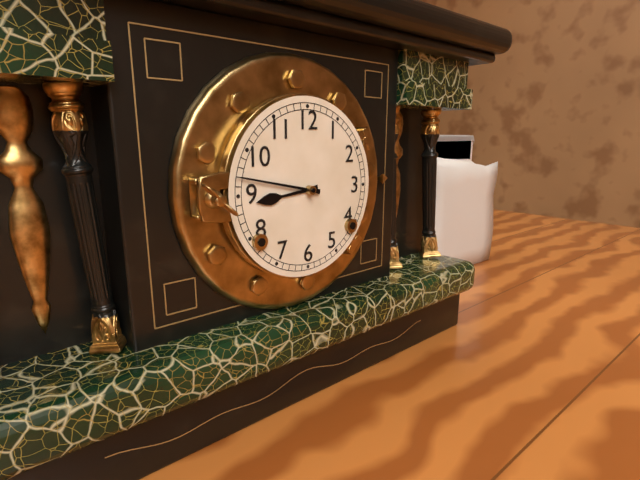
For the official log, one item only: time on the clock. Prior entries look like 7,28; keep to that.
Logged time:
8,47
